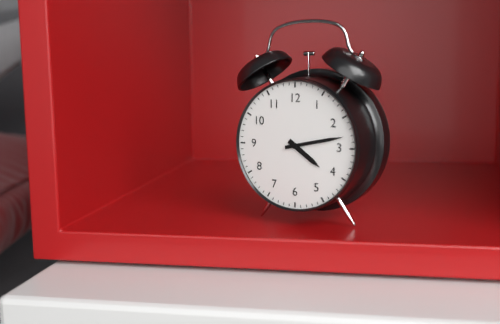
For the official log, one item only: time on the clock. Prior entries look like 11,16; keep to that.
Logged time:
4,13
